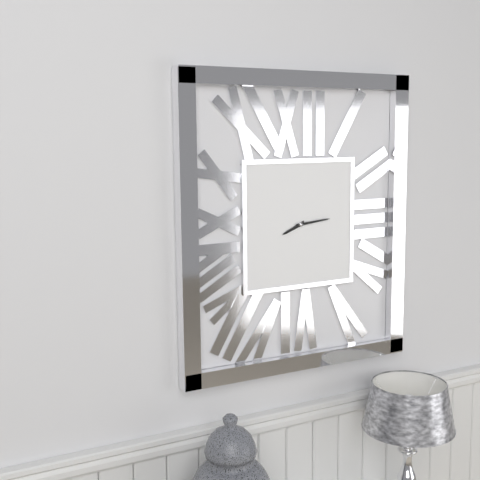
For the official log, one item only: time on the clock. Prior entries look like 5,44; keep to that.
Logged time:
8,14
